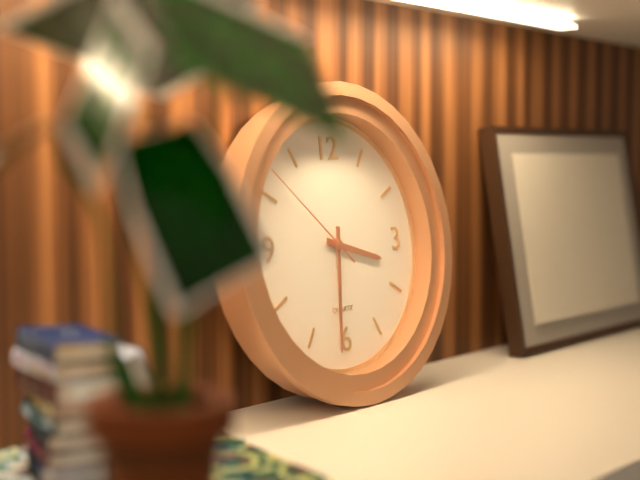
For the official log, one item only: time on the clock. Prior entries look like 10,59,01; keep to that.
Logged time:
3,31,52
